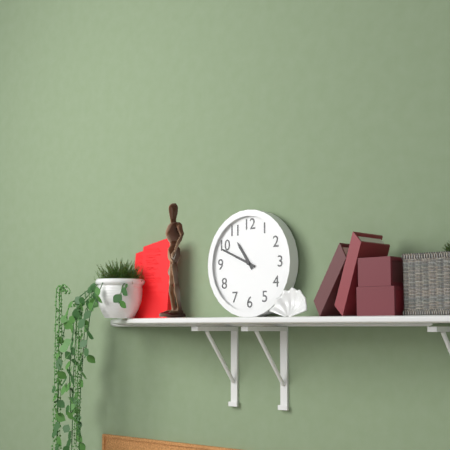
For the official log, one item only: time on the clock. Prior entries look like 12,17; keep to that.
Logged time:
10,49
